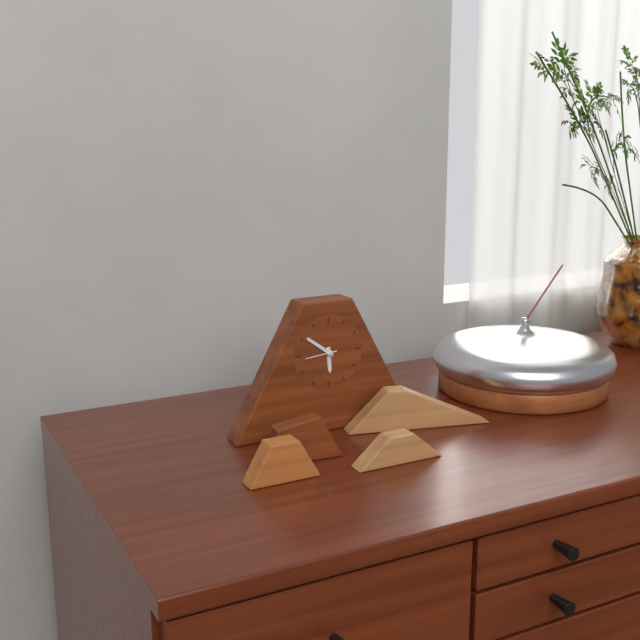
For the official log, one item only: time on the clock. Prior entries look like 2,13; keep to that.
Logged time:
5,51
